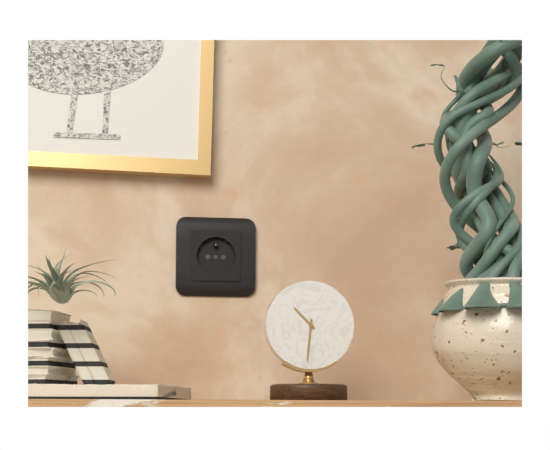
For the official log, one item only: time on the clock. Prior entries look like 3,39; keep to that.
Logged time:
10,31
